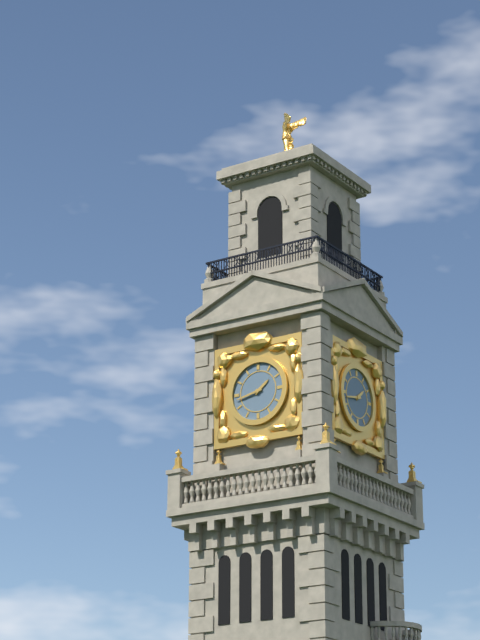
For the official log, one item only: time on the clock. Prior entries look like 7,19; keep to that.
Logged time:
1,43
